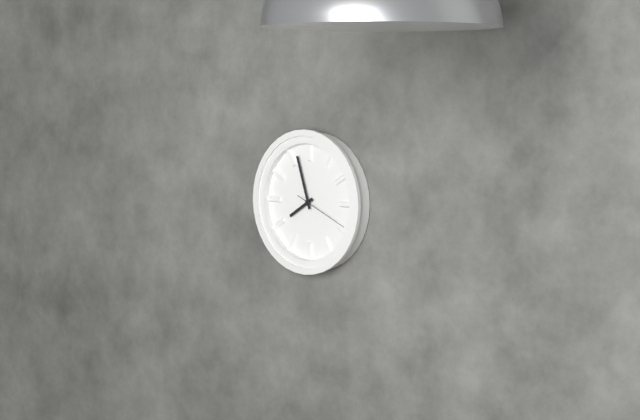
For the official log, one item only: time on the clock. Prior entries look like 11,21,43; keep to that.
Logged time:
7,57,19
